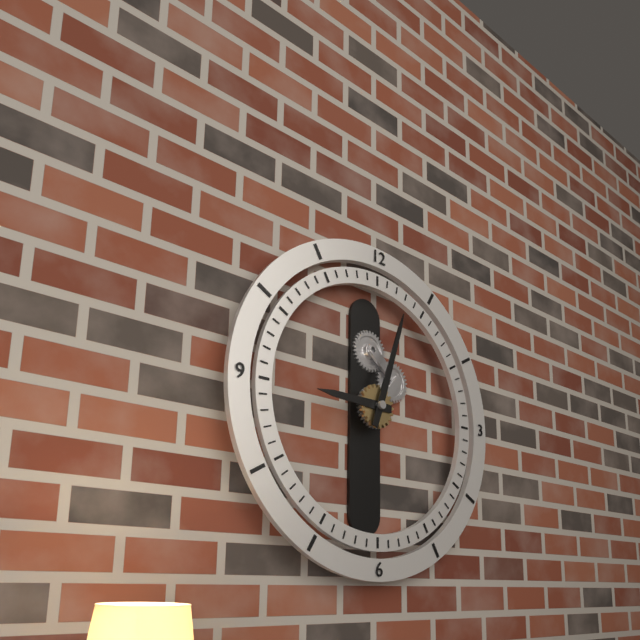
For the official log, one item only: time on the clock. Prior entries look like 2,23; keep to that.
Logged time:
9,03
